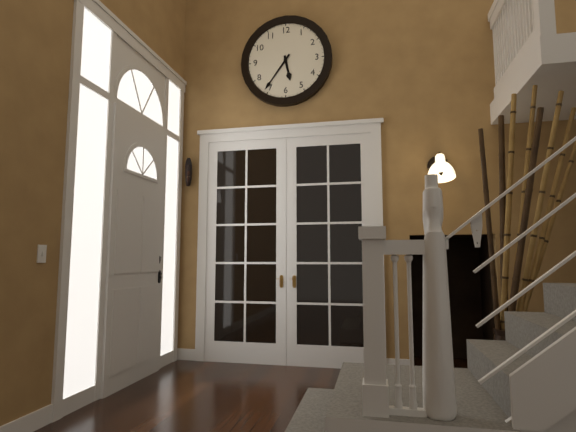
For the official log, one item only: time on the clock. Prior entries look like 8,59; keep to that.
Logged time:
5,36
